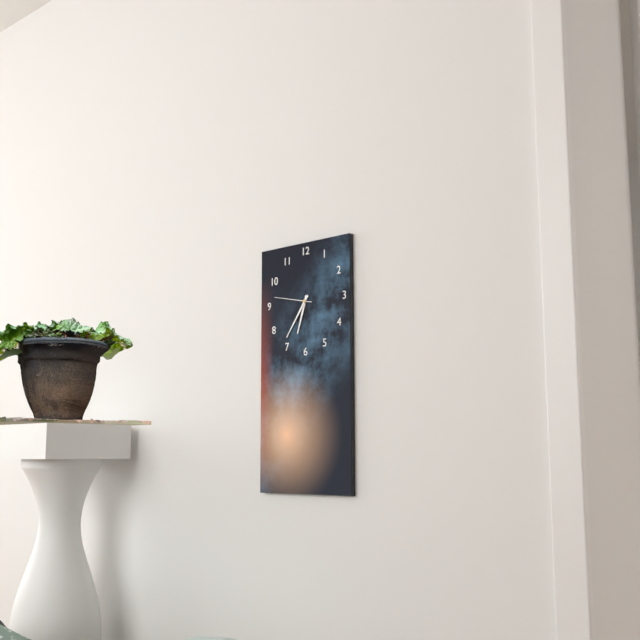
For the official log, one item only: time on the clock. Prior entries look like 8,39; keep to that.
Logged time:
6,36
